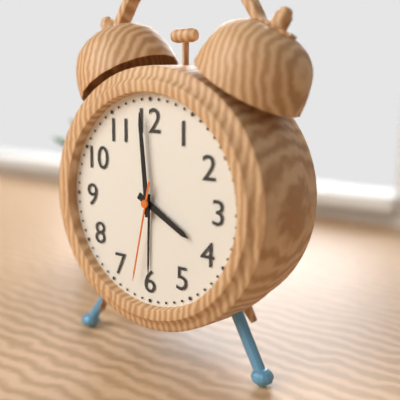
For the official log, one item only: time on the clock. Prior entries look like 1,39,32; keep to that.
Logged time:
3,59,32
